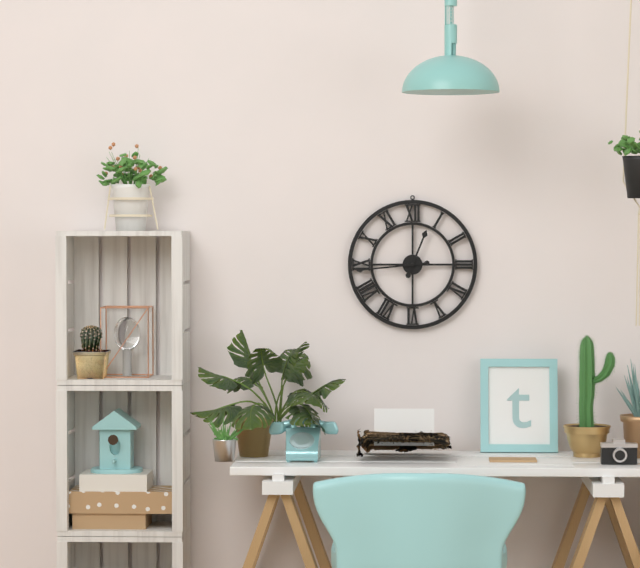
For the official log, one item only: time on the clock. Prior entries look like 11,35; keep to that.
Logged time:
12,44
